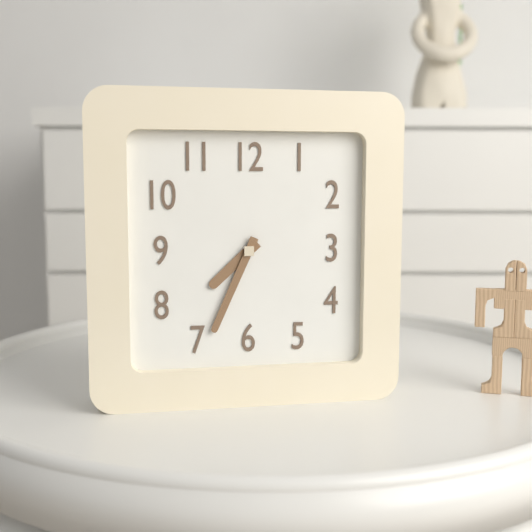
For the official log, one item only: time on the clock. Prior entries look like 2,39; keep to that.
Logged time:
7,34
